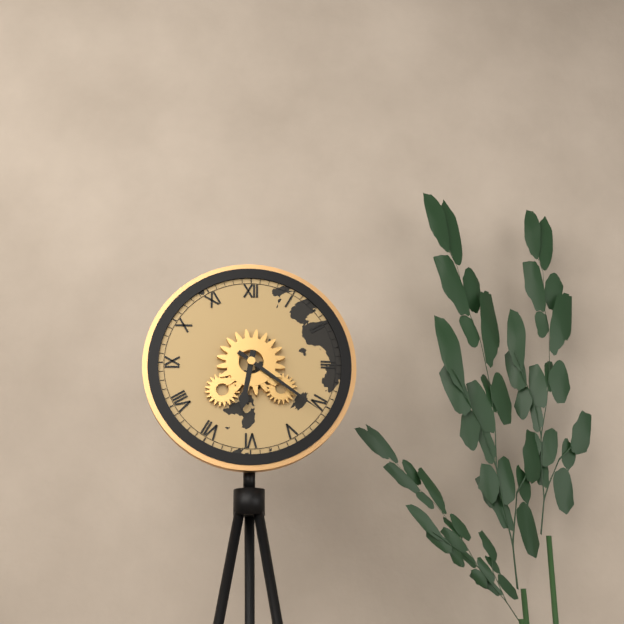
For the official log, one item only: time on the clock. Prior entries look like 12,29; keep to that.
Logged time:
6,21
